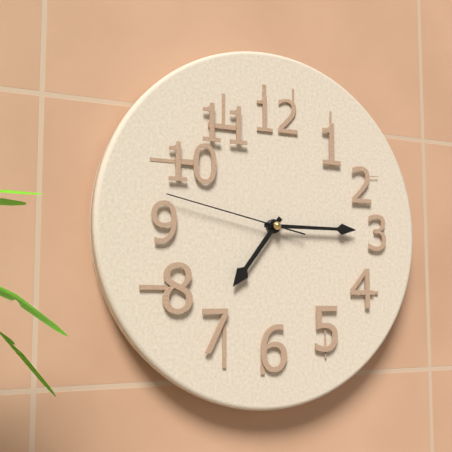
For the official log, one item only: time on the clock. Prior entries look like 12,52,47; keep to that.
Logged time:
7,15,47
